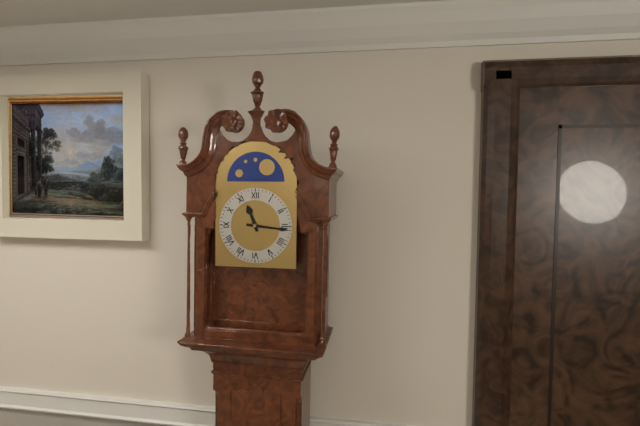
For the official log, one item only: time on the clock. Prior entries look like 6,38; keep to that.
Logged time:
11,16
